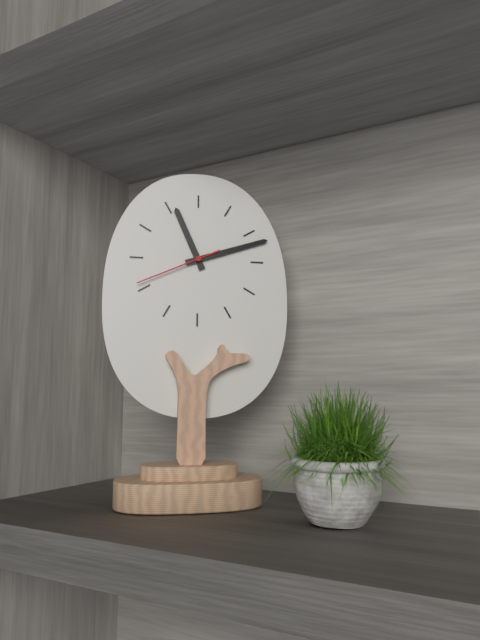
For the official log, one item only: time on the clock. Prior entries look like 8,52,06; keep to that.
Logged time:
11,12,41
